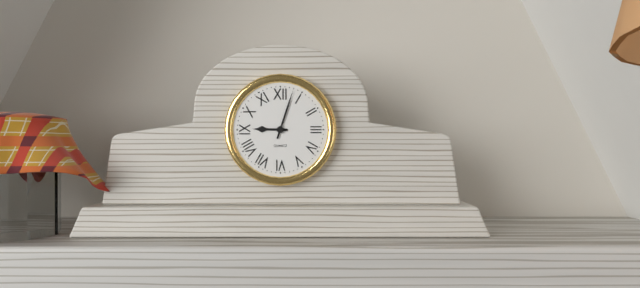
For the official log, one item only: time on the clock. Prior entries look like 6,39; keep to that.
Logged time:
9,03
